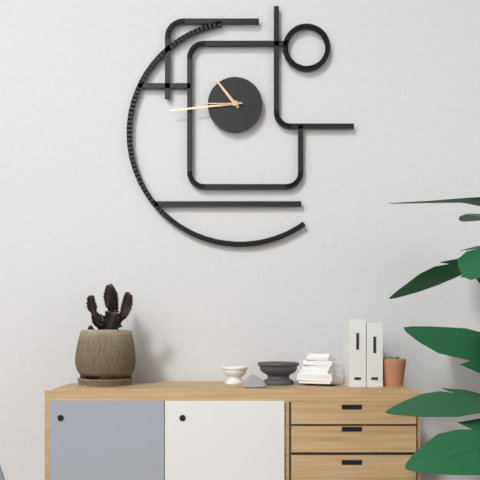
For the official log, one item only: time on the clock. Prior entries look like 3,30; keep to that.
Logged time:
10,44
